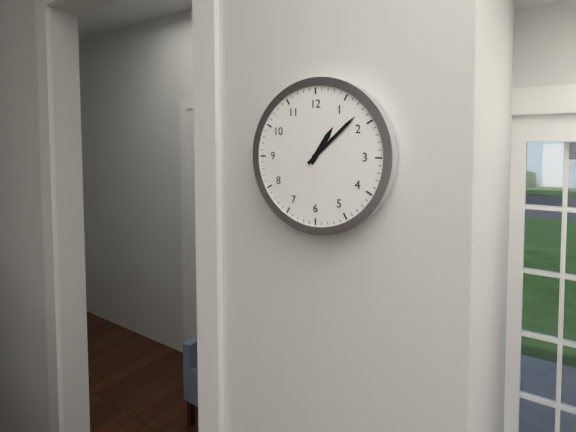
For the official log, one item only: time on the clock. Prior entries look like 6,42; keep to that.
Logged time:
1,08
